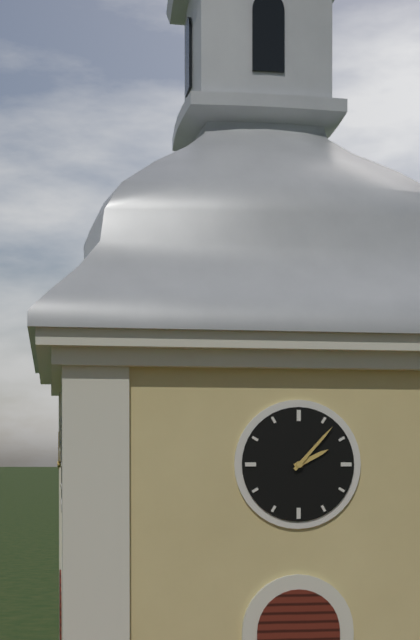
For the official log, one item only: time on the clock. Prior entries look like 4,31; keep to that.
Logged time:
2,07
